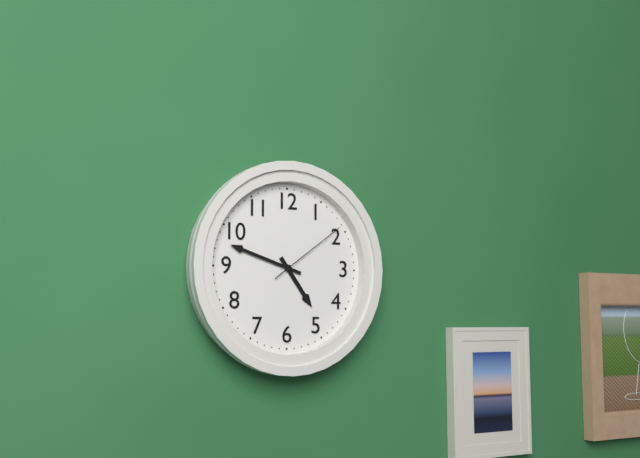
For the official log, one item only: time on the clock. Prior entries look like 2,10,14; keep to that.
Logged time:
4,48,09
